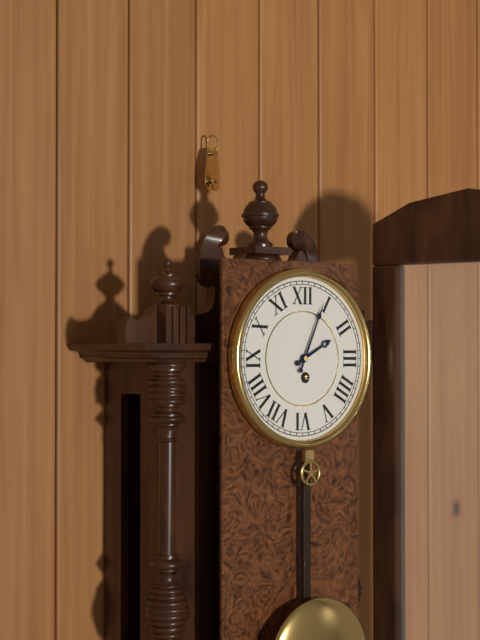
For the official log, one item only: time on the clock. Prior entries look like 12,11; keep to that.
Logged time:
2,04
